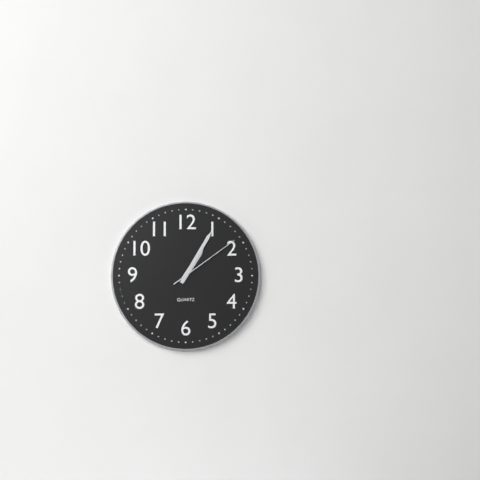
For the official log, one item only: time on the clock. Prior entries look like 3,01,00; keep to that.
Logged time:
1,05,09
